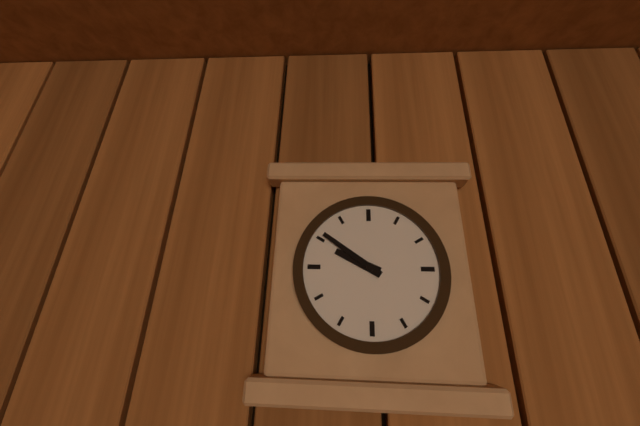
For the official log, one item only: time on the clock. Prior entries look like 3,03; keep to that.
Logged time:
9,51
